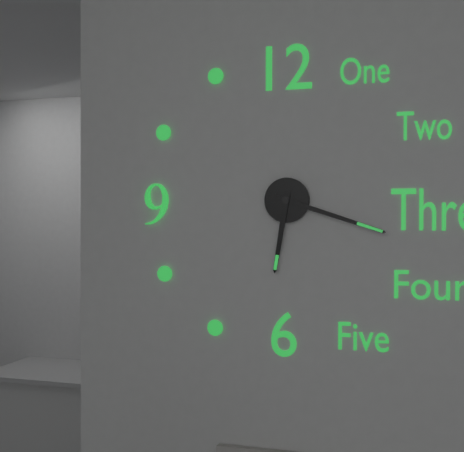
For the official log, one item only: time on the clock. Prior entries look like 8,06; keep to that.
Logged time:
6,18
